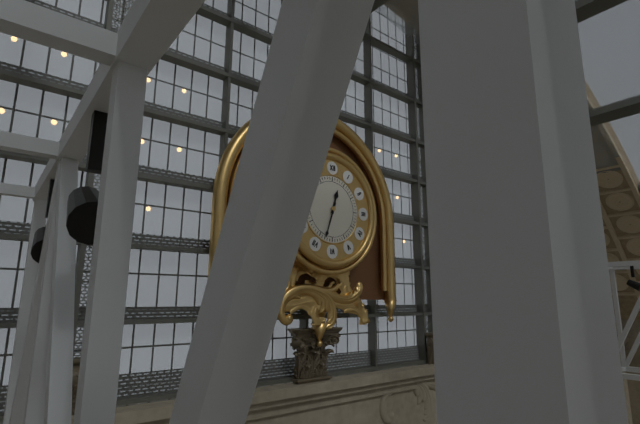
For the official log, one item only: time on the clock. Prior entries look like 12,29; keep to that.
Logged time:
12,33
